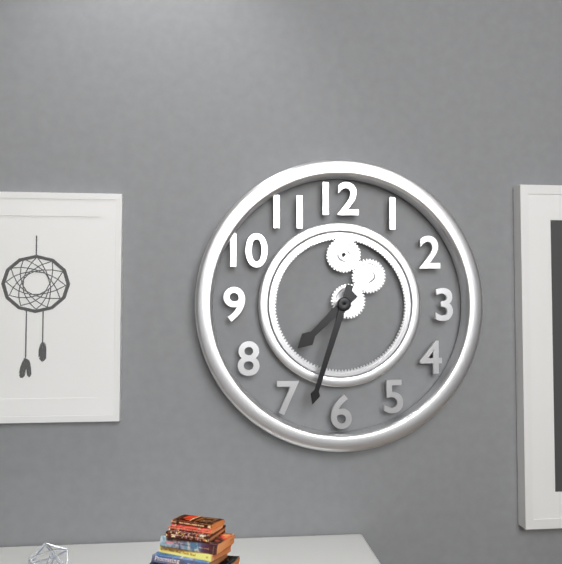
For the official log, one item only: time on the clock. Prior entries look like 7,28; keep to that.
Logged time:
7,33
